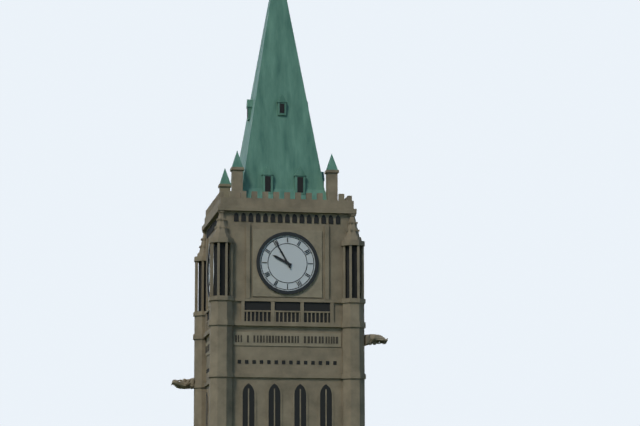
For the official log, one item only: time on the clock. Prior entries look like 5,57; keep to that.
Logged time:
9,55
